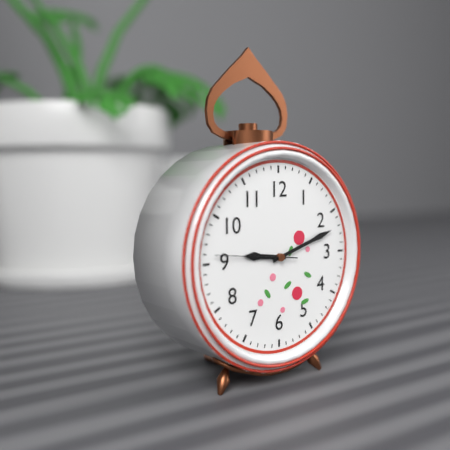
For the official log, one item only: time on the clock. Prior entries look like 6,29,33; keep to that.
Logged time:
9,12,46
